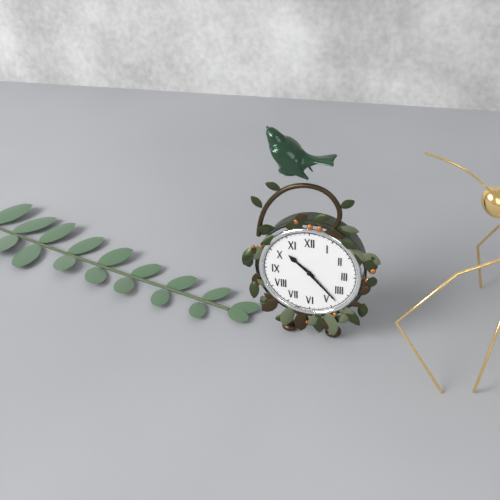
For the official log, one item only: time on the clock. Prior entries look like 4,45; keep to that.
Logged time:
10,23
